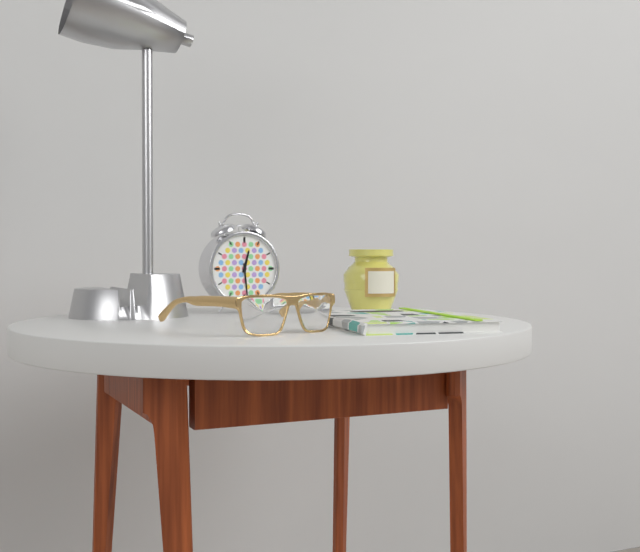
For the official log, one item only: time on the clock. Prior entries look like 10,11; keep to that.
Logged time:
12,29
